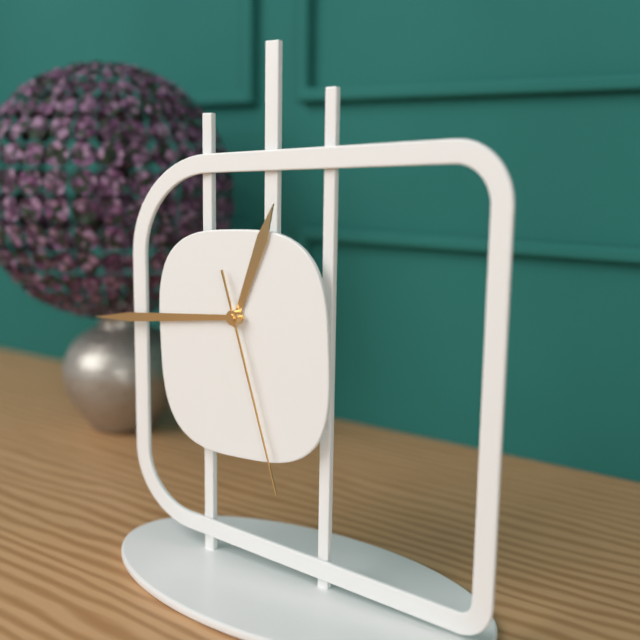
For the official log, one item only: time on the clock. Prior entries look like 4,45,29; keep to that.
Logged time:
12,44,27
